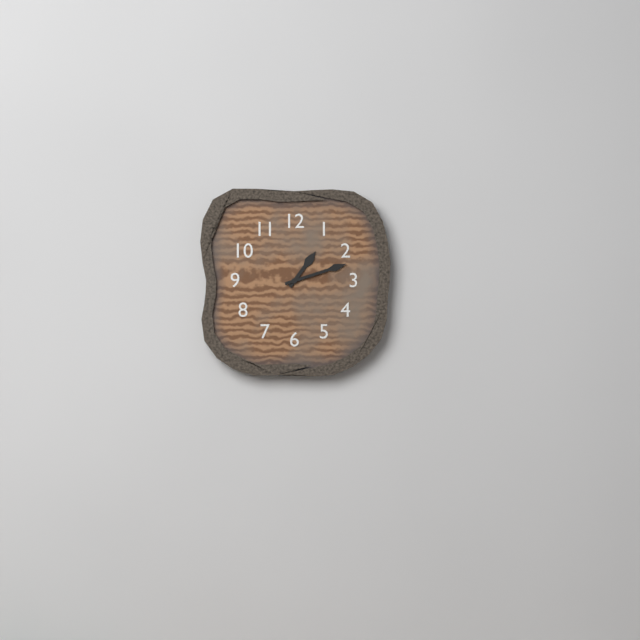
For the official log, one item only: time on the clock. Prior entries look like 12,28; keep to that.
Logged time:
1,12
